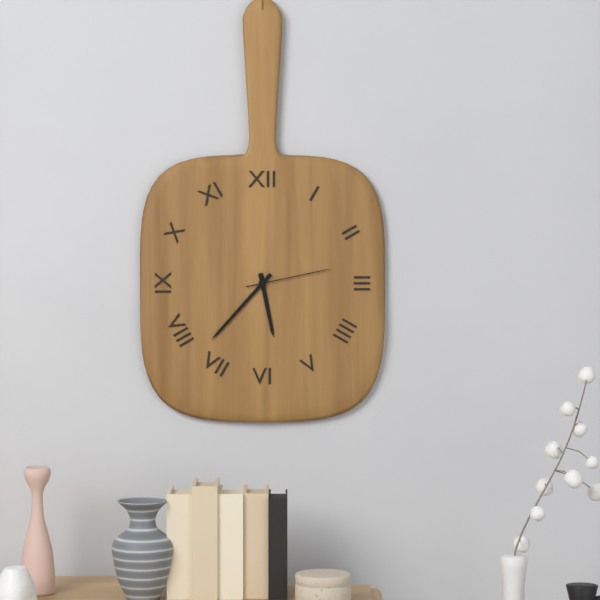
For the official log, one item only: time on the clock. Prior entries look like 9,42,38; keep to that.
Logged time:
5,37,13
